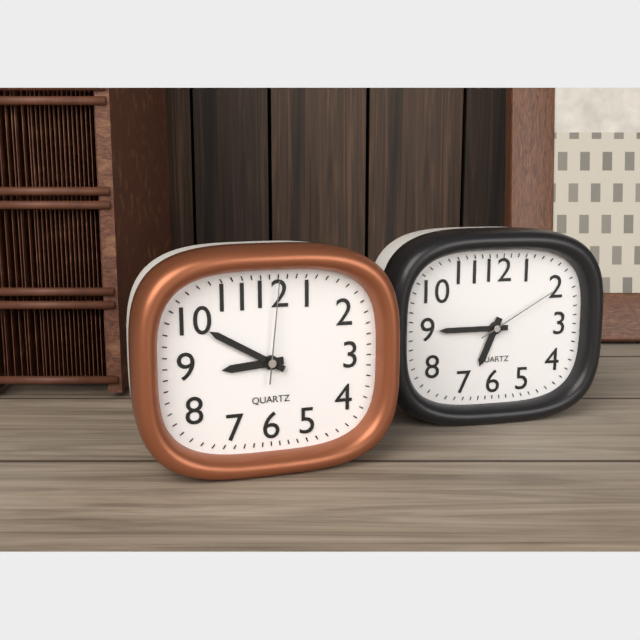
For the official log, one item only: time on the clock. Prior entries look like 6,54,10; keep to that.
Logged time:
8,50,01
